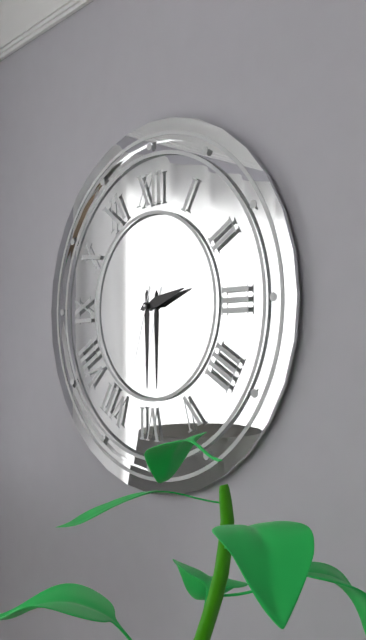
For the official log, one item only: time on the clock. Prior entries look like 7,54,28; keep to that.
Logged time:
2,30,33
